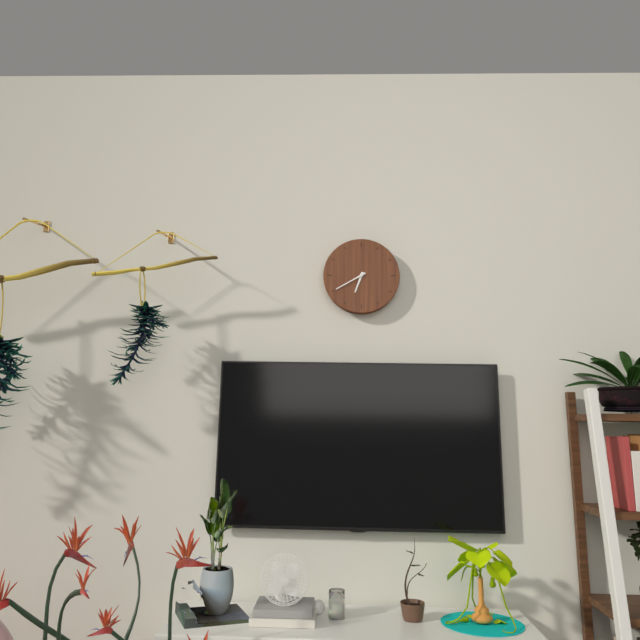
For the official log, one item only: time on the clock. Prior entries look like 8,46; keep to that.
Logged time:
6,40
